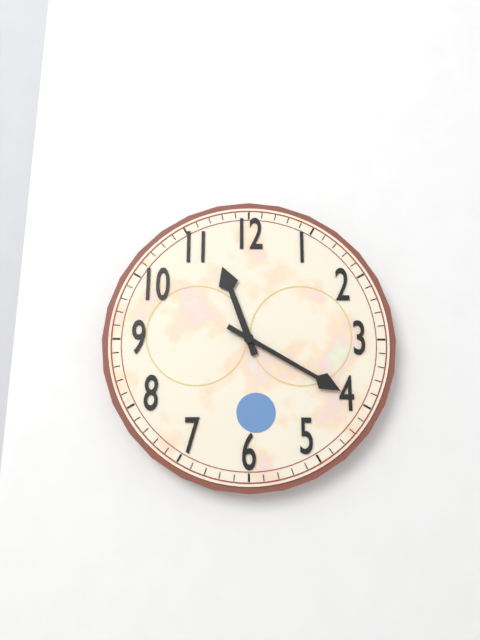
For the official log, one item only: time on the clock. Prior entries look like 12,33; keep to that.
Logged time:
11,20
